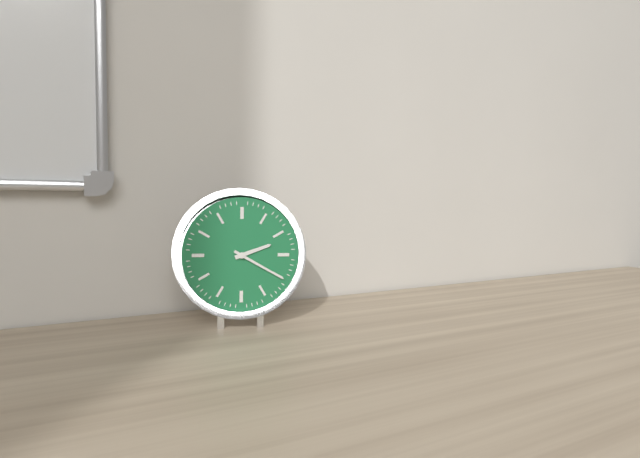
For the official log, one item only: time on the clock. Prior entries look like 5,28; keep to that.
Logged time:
2,20
